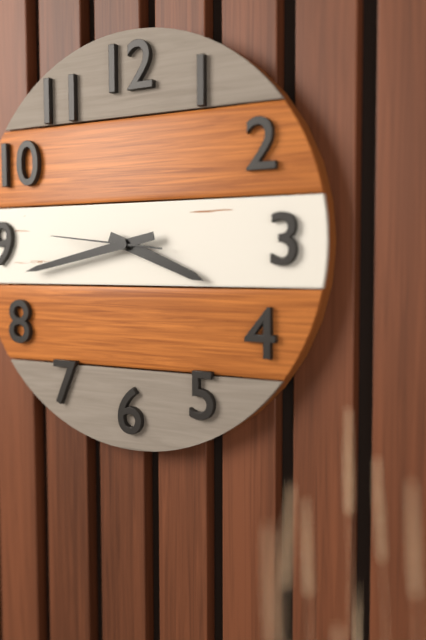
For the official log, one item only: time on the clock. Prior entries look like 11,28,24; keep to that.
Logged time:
3,43,46
